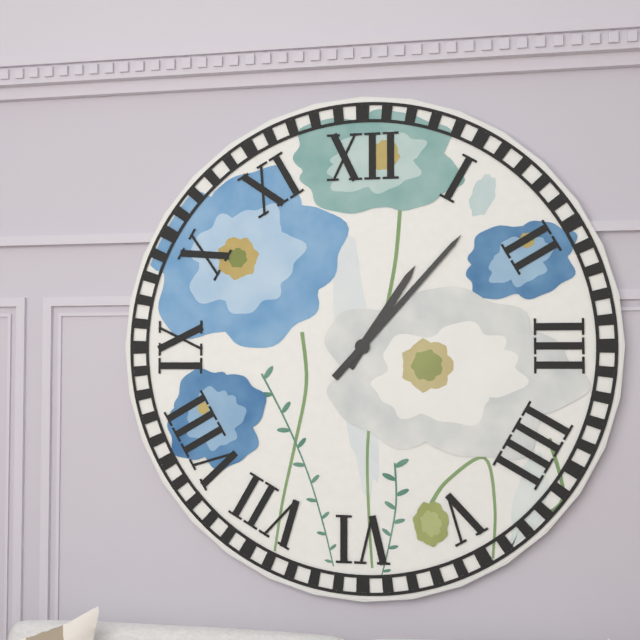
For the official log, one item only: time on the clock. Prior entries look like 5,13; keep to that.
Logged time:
1,07
